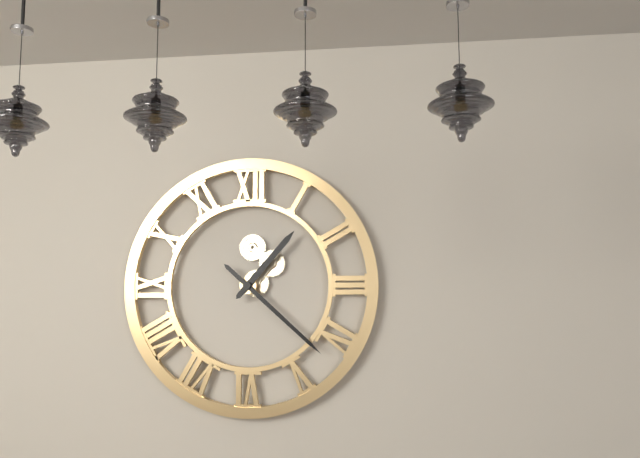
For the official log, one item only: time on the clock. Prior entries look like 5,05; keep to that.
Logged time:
1,22
